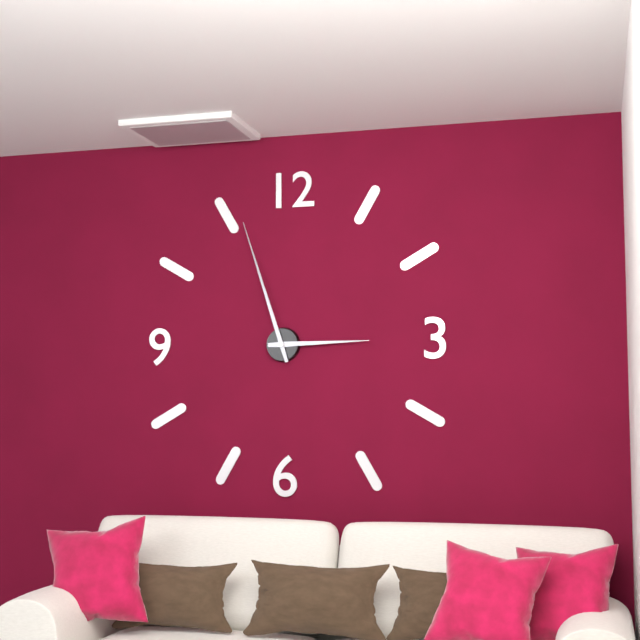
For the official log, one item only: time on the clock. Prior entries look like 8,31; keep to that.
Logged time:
2,57
